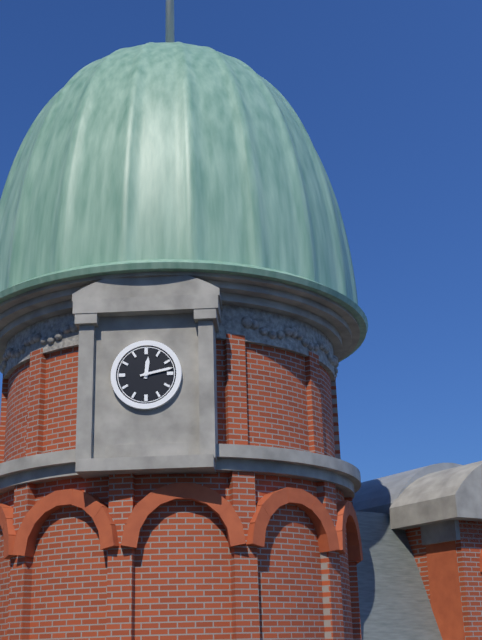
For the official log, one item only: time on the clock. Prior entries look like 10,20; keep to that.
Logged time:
12,13
